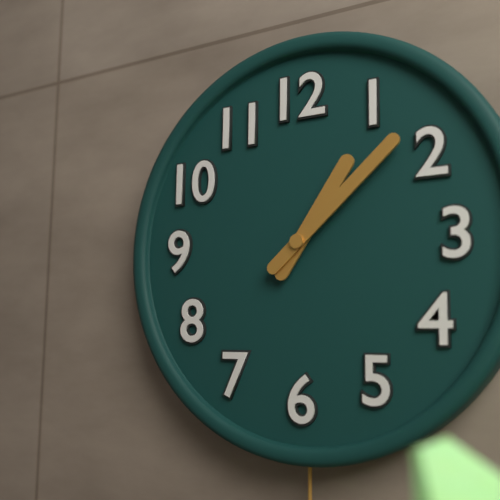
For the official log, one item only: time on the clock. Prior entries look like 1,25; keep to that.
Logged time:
1,08
